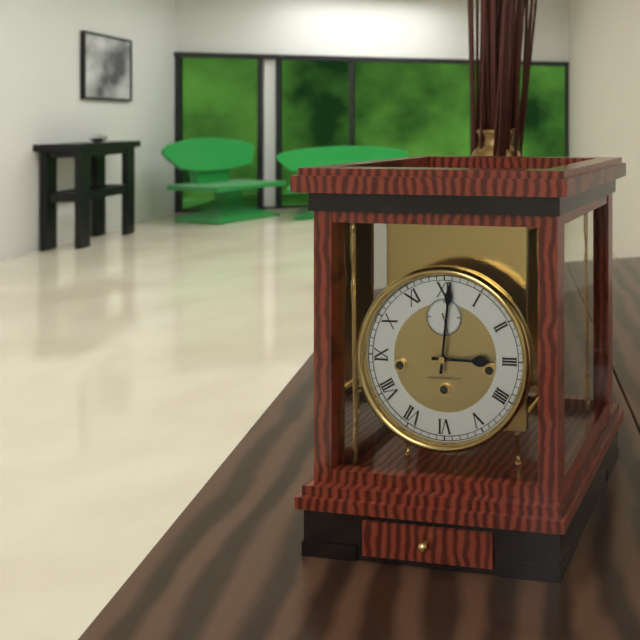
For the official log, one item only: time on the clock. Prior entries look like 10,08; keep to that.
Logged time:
3,01
